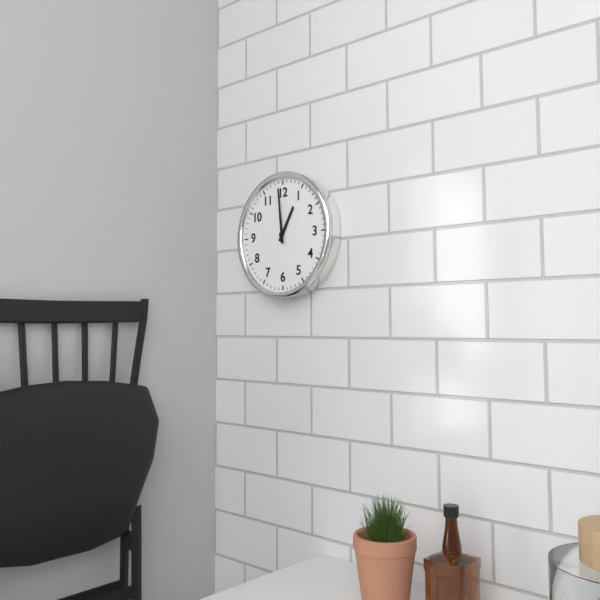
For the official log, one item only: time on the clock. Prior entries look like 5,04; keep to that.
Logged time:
12,59
